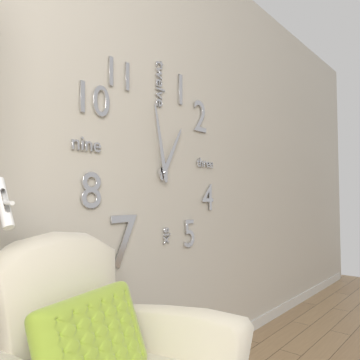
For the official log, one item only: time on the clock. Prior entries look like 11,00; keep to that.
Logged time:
12,58
